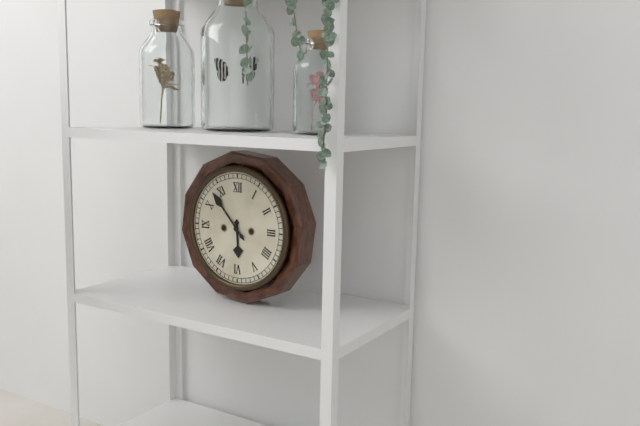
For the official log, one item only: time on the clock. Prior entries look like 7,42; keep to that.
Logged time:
5,53
